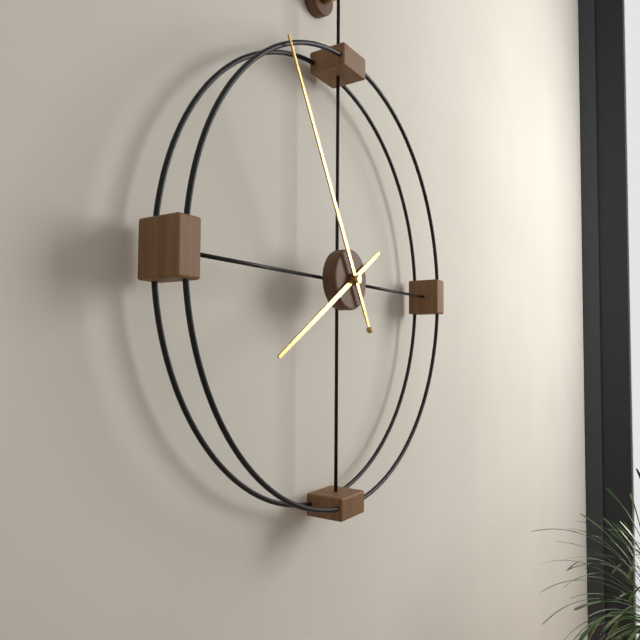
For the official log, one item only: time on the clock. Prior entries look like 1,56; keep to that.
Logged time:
7,55
